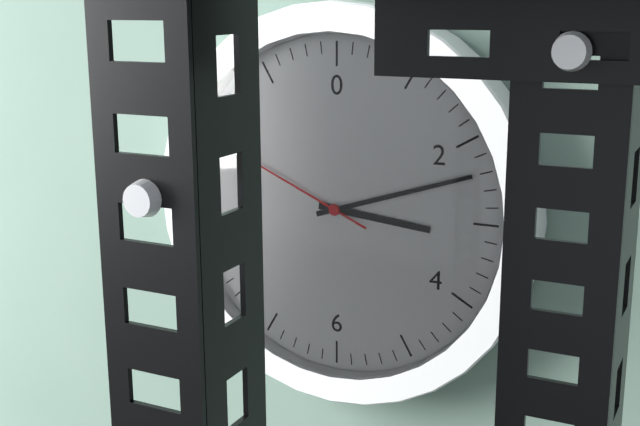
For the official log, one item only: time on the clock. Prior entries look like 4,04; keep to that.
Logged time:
3,12
